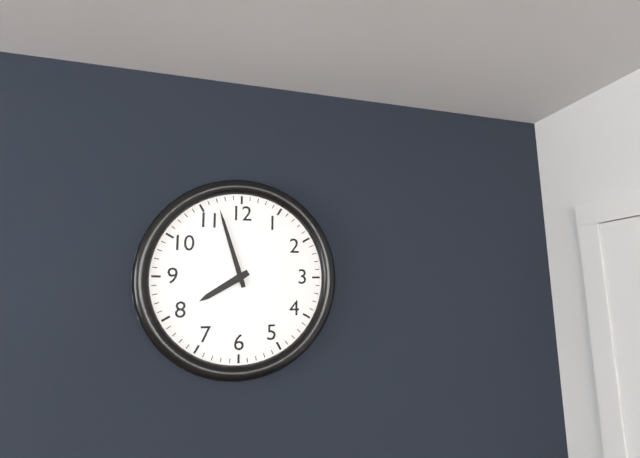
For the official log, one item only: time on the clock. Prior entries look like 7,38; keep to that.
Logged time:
7,57
